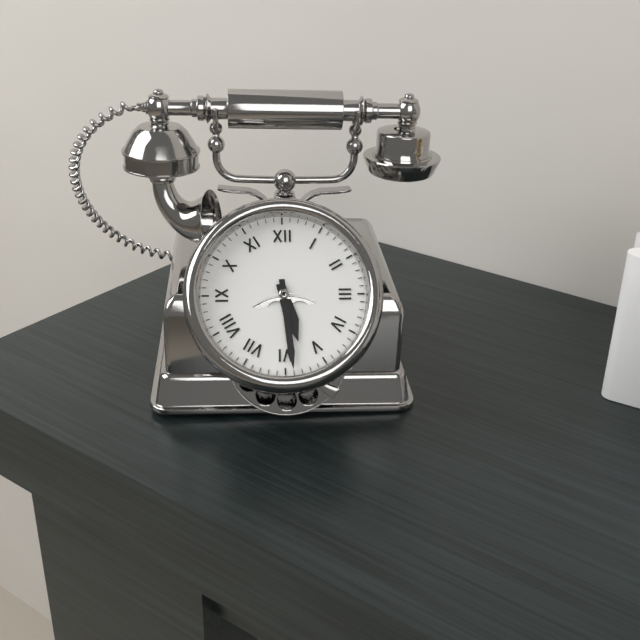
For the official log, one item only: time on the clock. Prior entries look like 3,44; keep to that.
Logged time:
5,29
